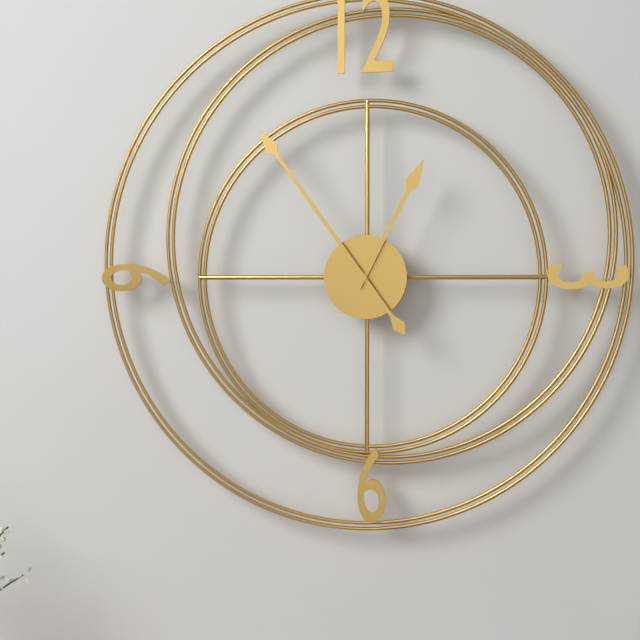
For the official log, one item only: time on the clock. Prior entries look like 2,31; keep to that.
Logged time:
12,54
